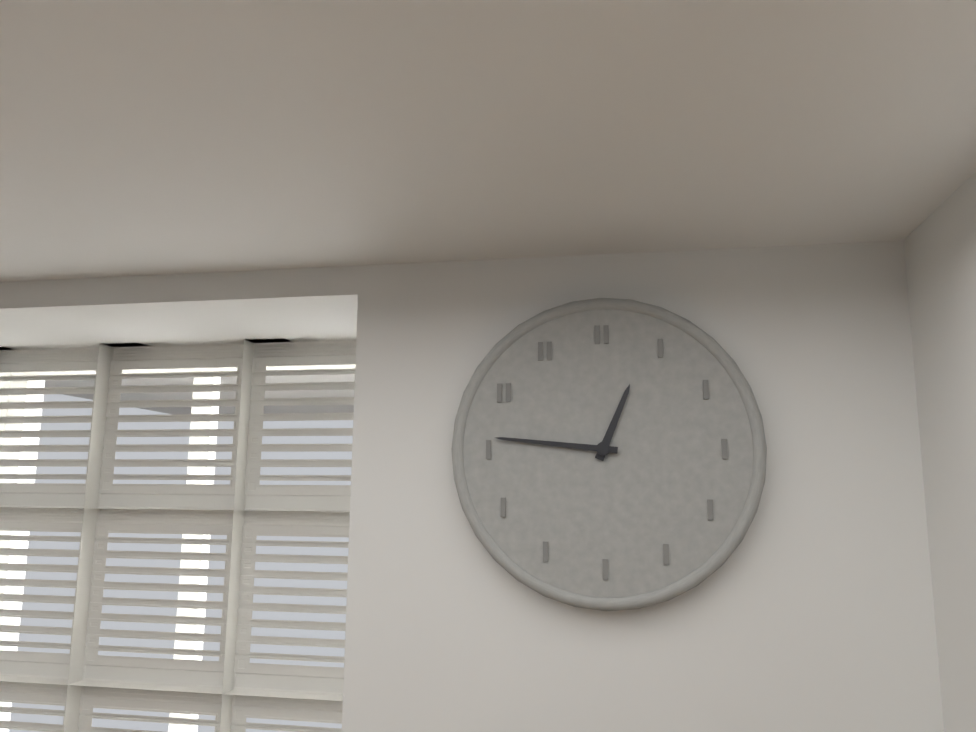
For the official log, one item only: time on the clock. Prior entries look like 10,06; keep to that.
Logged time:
12,46
